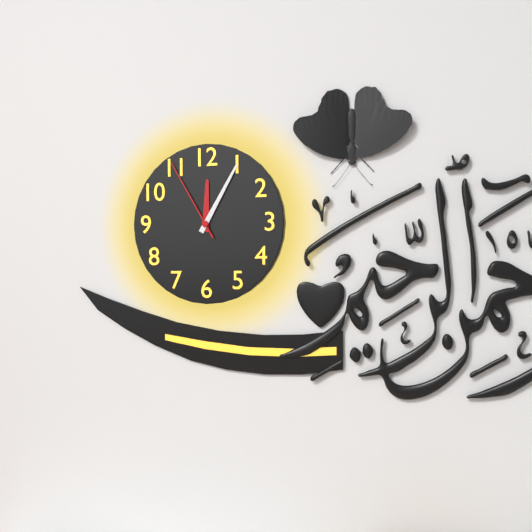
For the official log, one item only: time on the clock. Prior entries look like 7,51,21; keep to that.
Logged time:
12,05,55
